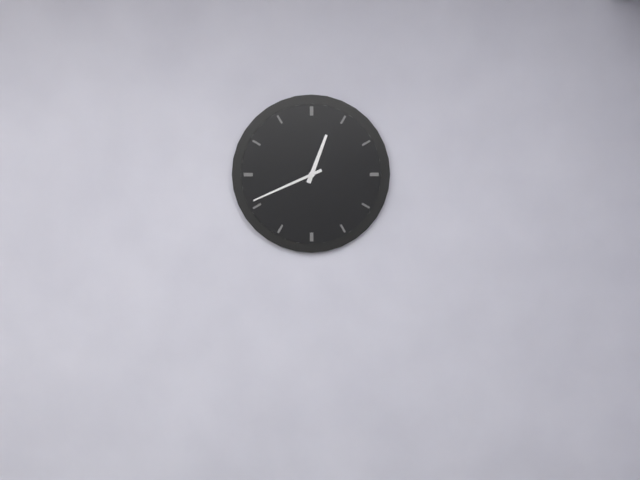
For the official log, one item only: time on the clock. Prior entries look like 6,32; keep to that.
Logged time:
12,41
